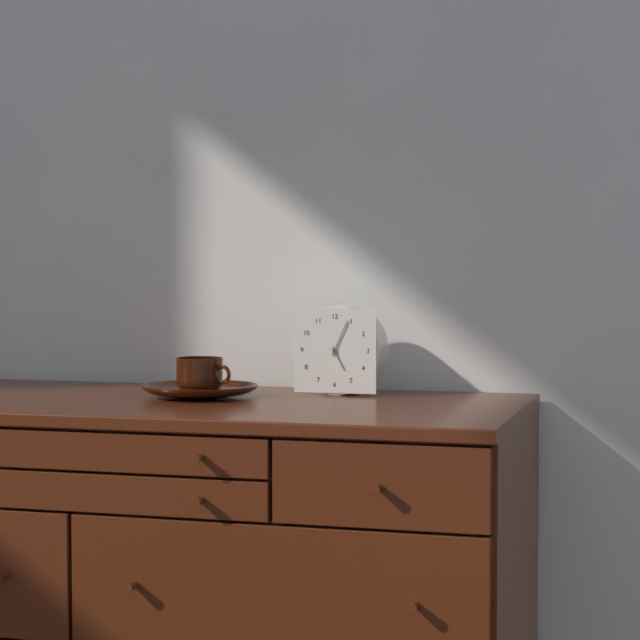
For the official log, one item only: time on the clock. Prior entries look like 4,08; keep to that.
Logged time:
5,04
